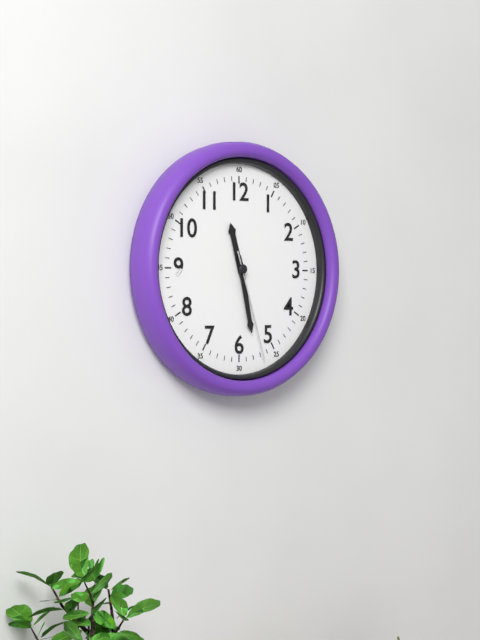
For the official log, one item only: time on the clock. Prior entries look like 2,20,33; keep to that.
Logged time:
11,28,27
